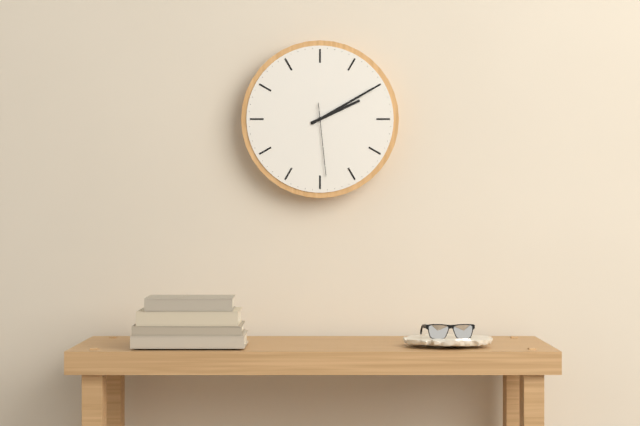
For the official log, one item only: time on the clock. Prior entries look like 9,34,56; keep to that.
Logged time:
2,10,29
